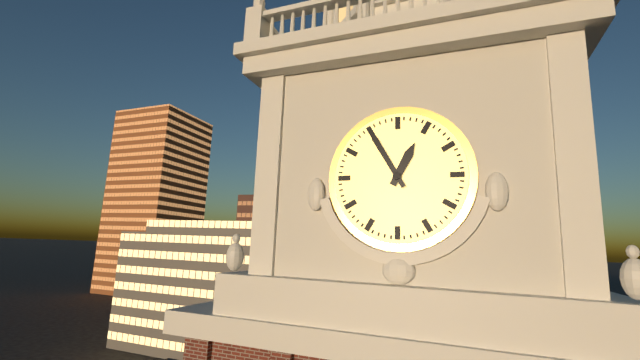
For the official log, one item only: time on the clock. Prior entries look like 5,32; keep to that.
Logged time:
12,55
